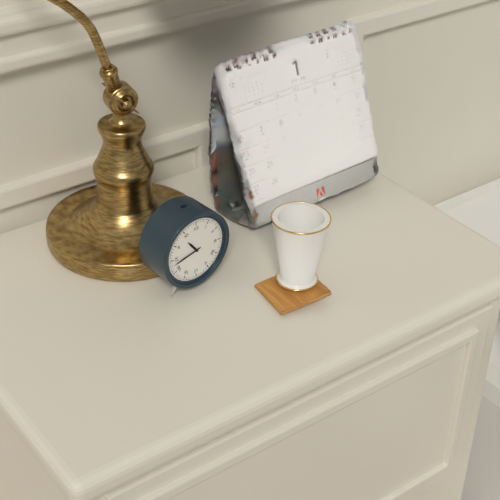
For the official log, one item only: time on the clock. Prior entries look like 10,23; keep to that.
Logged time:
10,43
